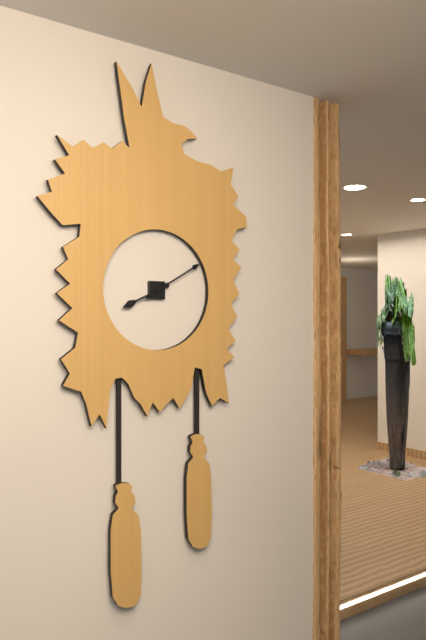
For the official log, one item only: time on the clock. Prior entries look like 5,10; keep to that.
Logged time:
8,10
